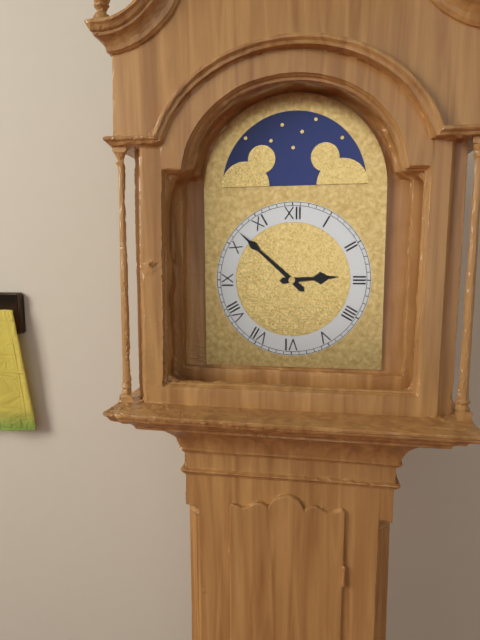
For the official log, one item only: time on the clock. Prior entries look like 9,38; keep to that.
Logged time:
2,52
